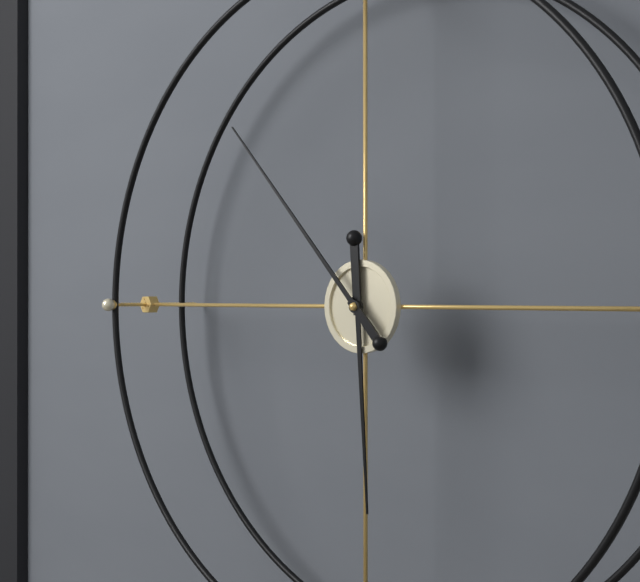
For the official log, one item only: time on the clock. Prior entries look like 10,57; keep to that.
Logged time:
5,53
